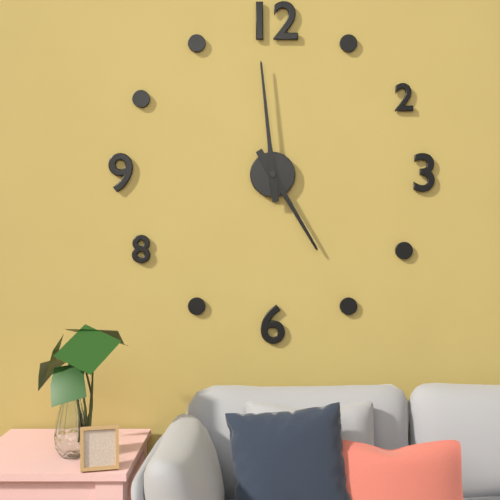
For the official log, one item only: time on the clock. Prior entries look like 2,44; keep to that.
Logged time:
4,59
